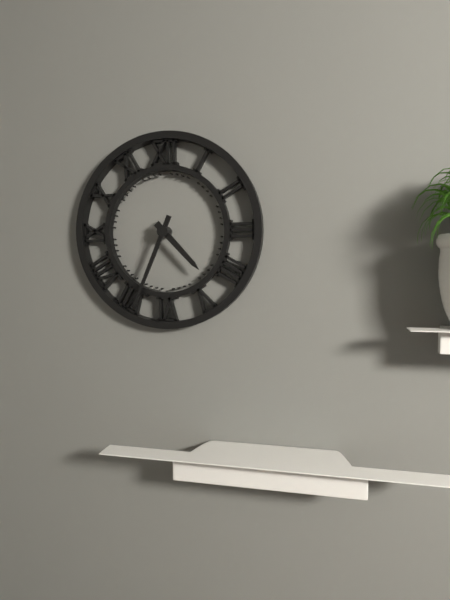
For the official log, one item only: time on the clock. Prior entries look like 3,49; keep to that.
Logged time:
4,34
